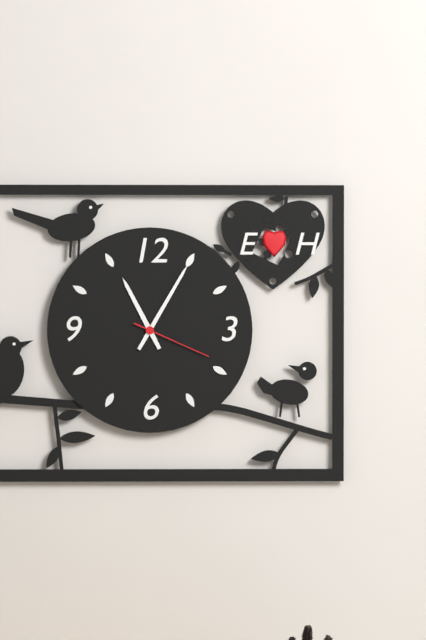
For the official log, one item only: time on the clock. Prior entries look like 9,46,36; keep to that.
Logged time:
11,05,19
